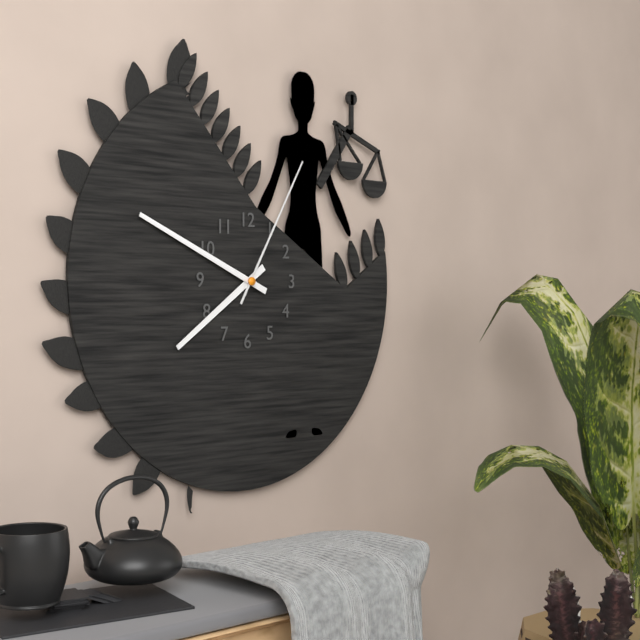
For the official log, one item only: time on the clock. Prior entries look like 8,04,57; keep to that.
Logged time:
7,49,05
